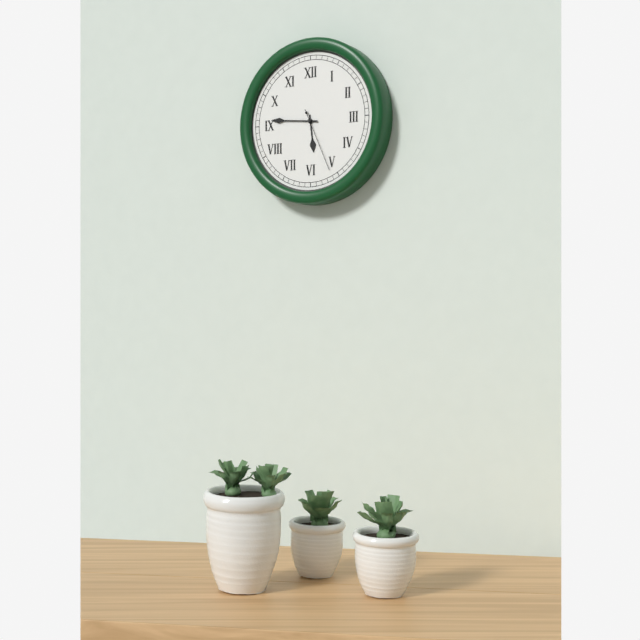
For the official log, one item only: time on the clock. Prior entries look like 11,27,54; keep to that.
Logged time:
5,46,26
